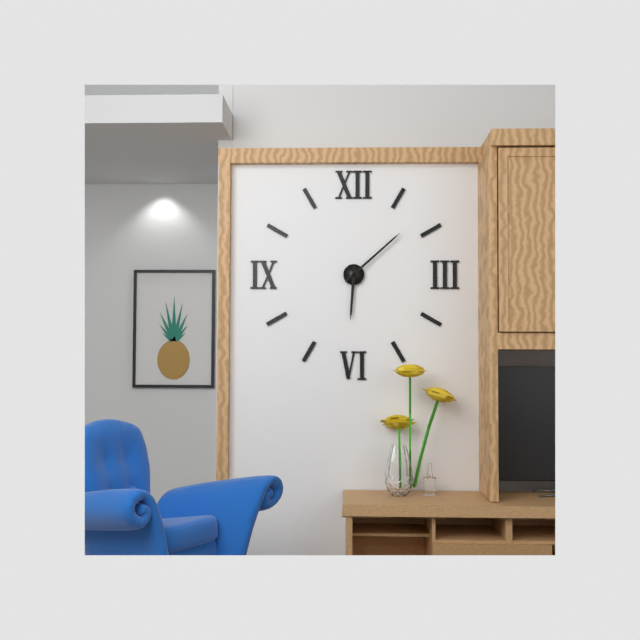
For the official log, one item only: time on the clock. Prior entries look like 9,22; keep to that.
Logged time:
6,08
